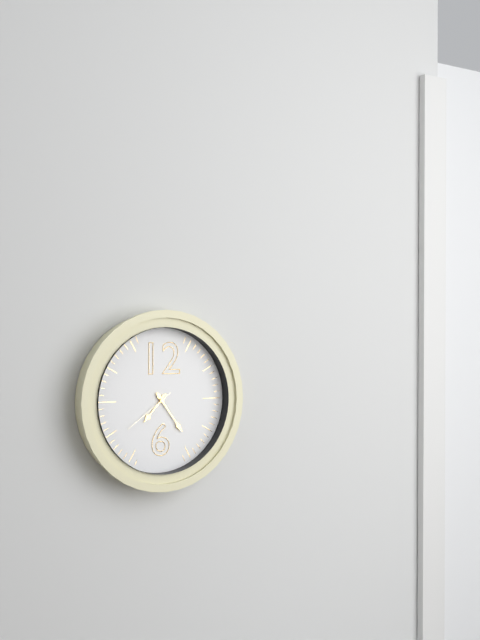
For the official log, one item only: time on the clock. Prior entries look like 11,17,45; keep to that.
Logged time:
7,24,39
